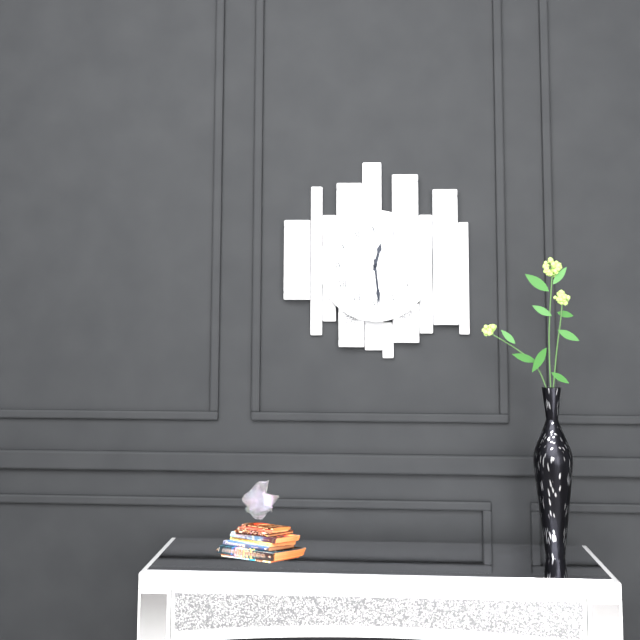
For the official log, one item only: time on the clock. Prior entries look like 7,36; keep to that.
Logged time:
12,29
